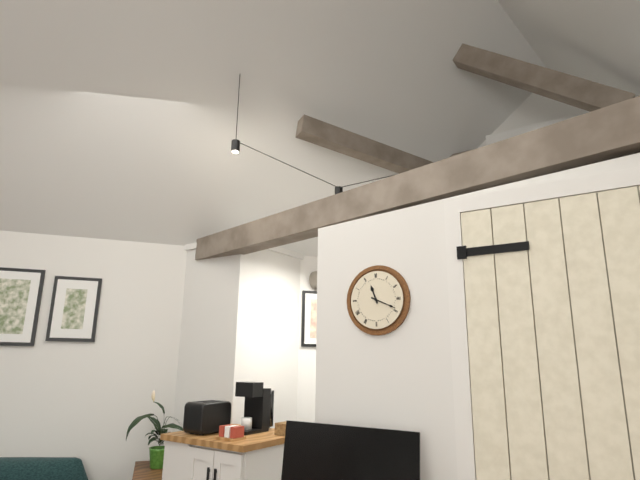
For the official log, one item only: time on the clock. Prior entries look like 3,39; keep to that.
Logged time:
11,19
